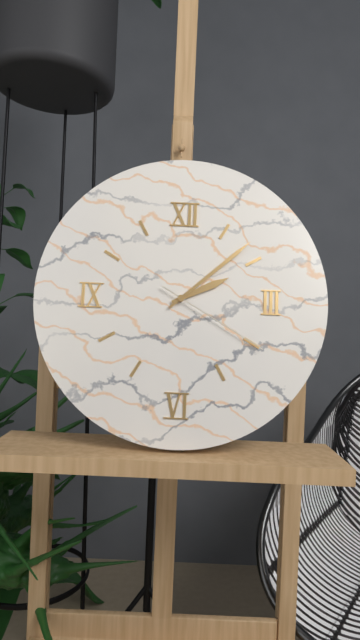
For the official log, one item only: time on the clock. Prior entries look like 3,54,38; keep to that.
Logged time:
2,08,20
